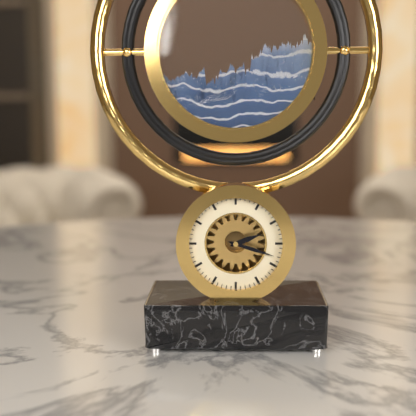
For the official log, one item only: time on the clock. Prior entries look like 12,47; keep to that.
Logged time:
2,18
